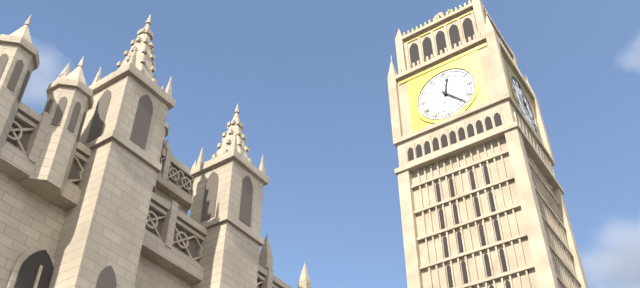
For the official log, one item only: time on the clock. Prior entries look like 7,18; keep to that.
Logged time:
12,23
